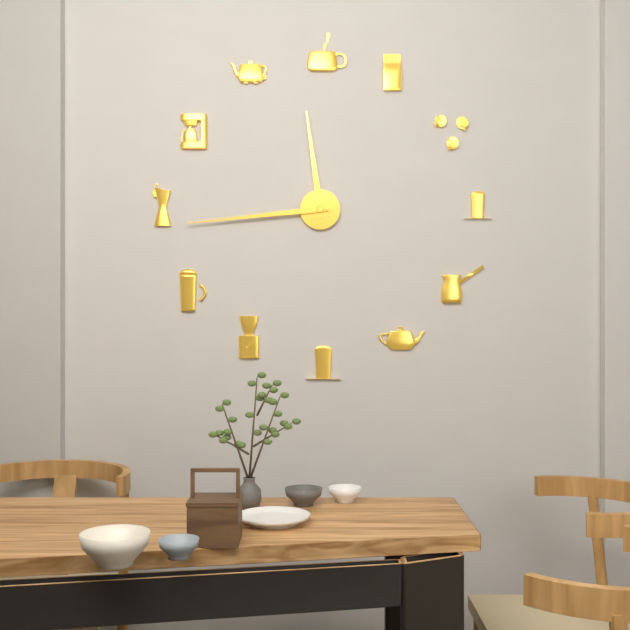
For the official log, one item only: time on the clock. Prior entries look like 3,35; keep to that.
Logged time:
11,44
